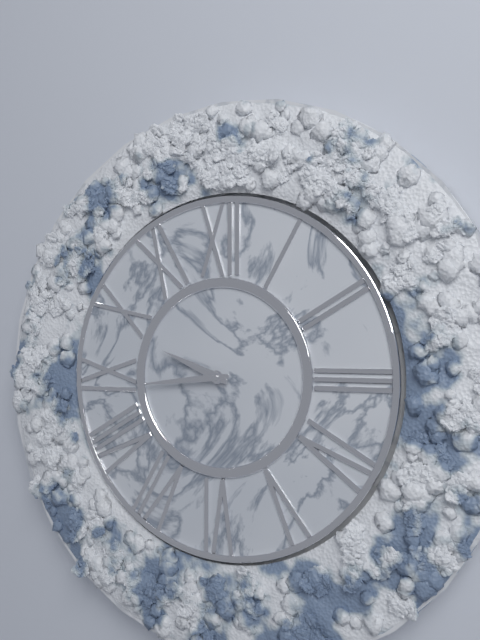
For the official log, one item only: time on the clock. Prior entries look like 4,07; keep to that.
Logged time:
9,44
